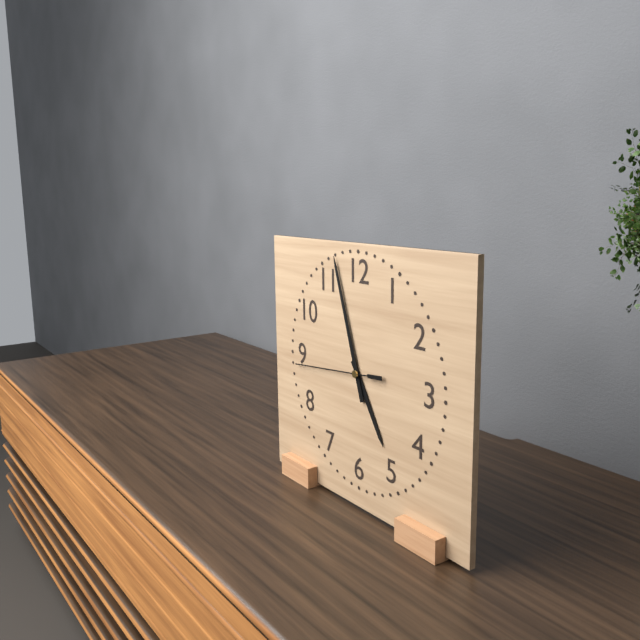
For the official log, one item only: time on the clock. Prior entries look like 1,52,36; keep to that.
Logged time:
4,57,44
